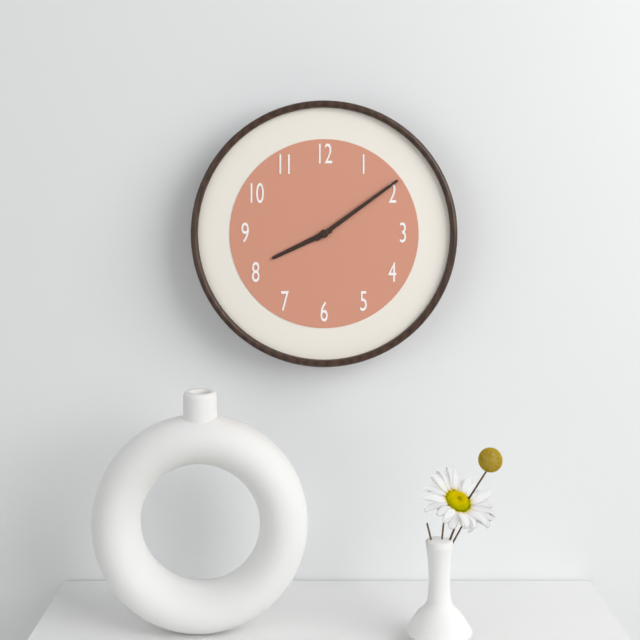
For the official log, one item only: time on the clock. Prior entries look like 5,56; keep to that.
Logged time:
8,09
